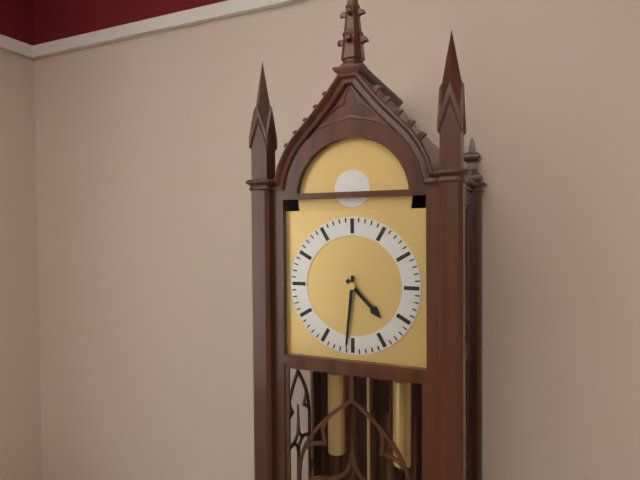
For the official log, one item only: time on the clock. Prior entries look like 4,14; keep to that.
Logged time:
4,31
